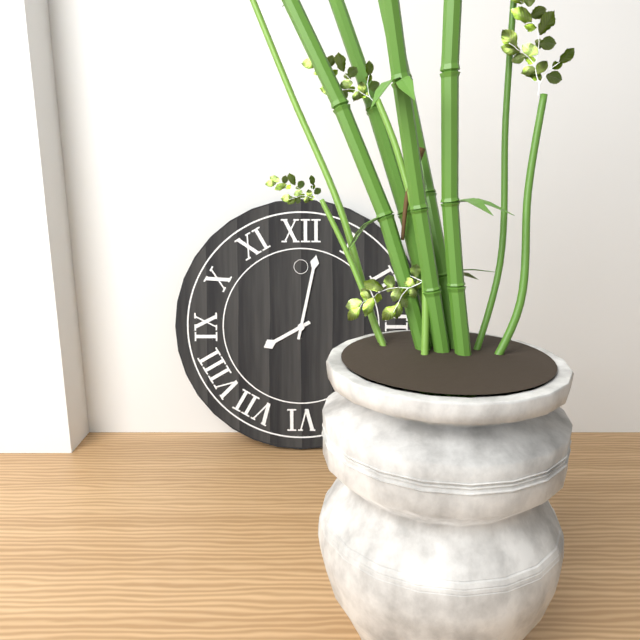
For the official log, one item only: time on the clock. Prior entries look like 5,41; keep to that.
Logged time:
8,02
